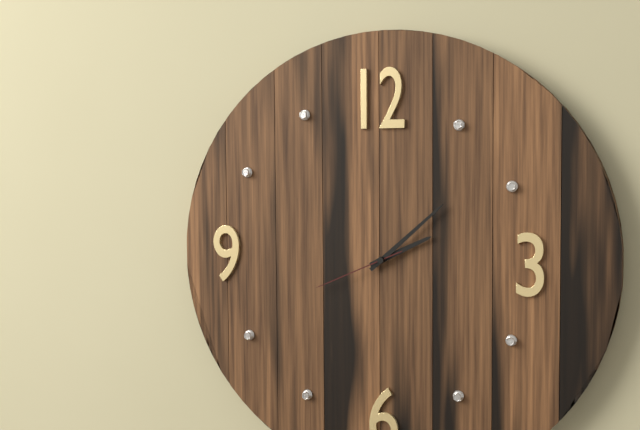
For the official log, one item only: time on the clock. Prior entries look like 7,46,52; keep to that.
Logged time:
2,08,41
